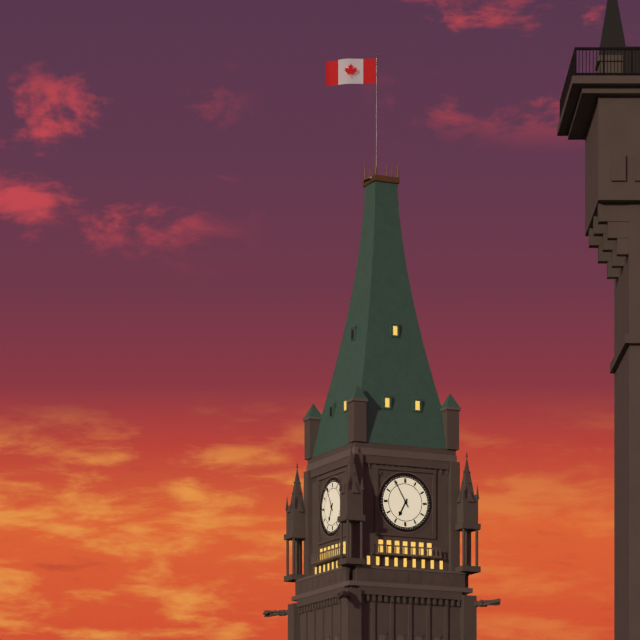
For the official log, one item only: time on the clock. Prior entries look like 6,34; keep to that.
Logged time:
6,55
